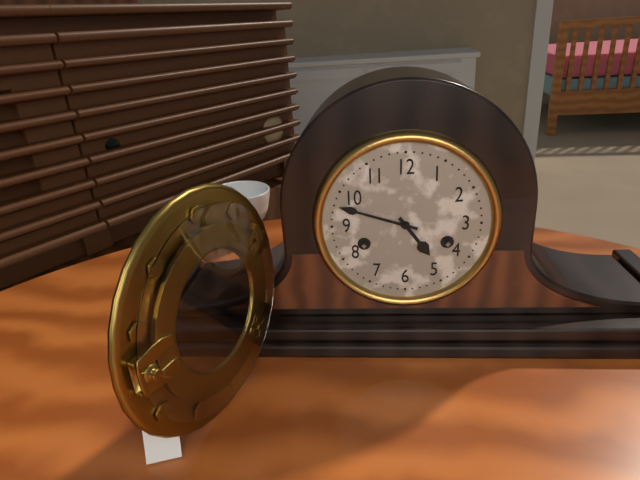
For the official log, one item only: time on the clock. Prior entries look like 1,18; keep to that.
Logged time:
4,48
